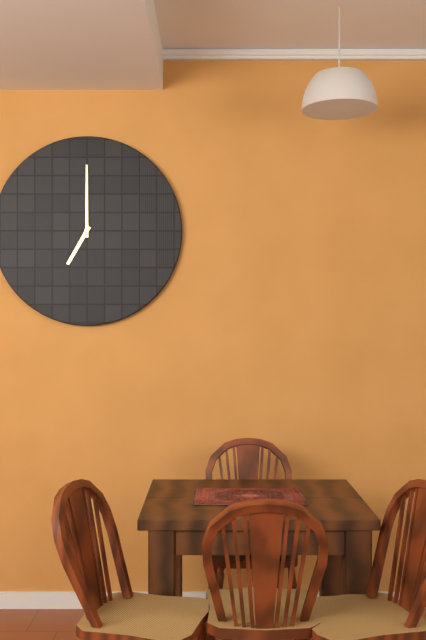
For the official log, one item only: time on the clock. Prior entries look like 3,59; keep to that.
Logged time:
7,00
